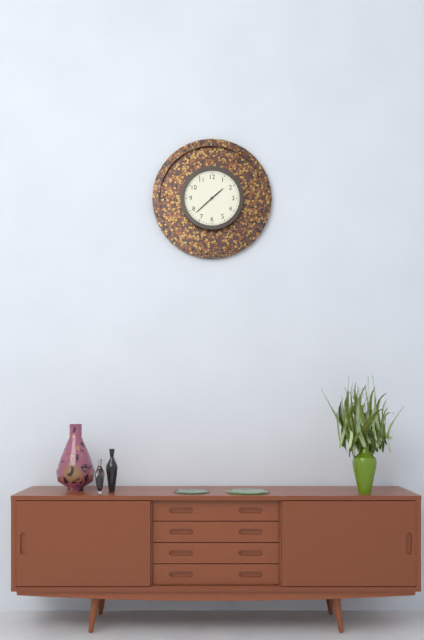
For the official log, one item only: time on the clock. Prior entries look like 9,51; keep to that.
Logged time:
1,38
